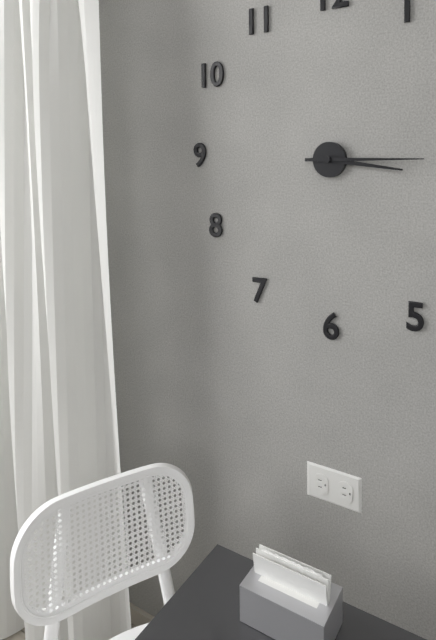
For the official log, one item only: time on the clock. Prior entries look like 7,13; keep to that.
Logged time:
3,15
